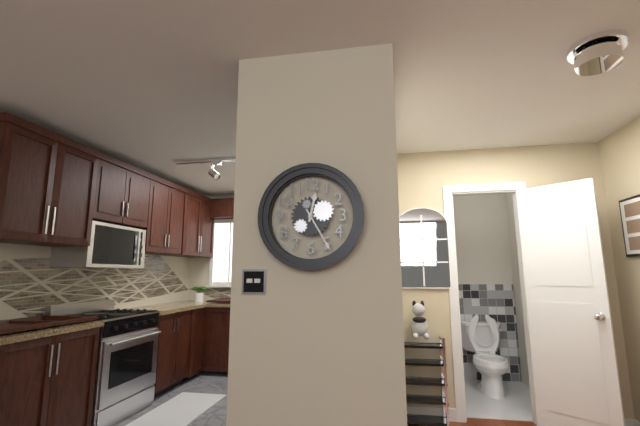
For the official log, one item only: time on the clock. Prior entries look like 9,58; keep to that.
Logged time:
12,25
